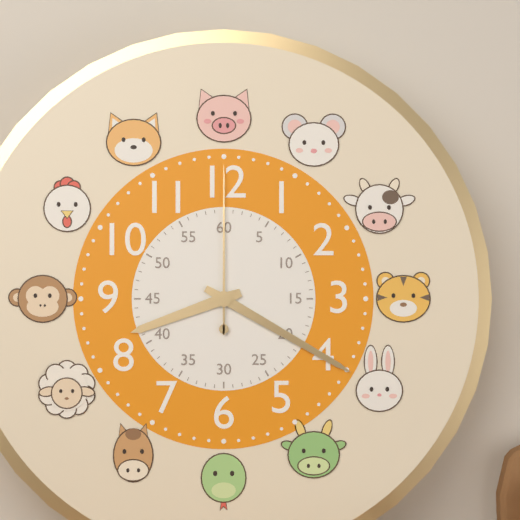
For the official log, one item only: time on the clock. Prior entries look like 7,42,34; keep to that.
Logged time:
8,20,00
